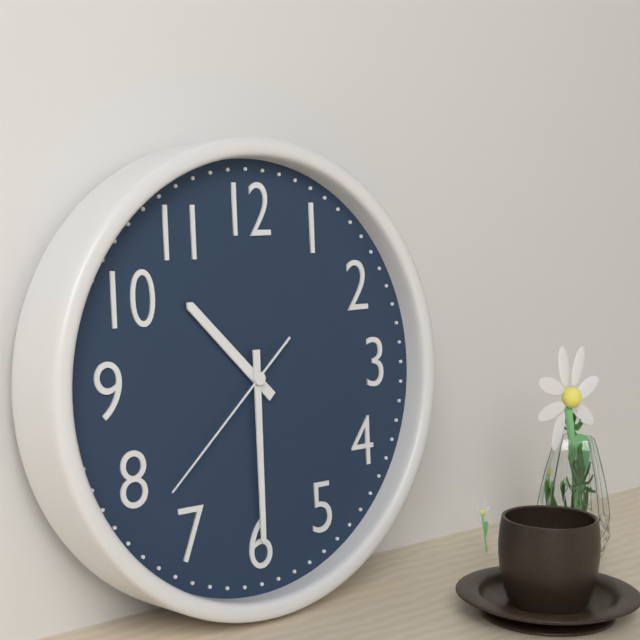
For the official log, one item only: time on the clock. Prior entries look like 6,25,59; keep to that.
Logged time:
10,30,38
